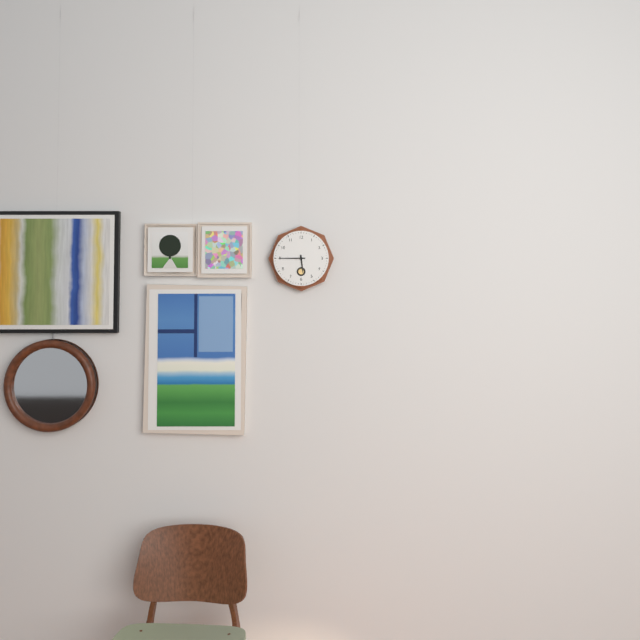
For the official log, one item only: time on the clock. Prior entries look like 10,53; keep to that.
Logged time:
5,45
